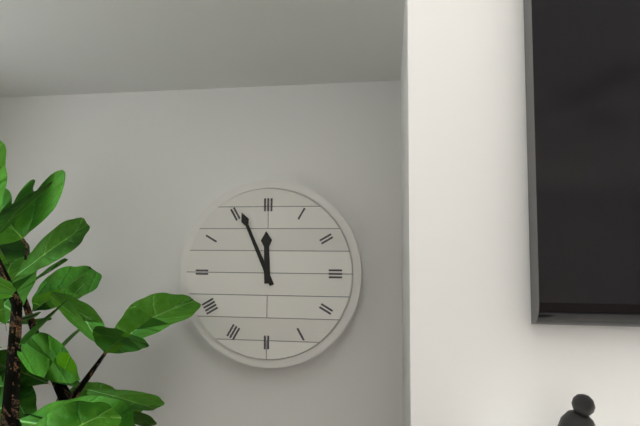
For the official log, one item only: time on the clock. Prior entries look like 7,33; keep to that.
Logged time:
11,56
